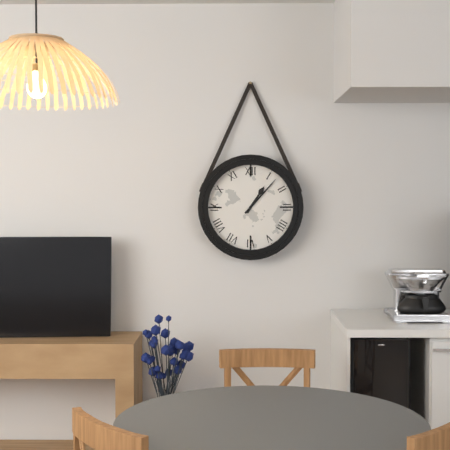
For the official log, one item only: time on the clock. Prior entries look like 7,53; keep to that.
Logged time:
1,07
